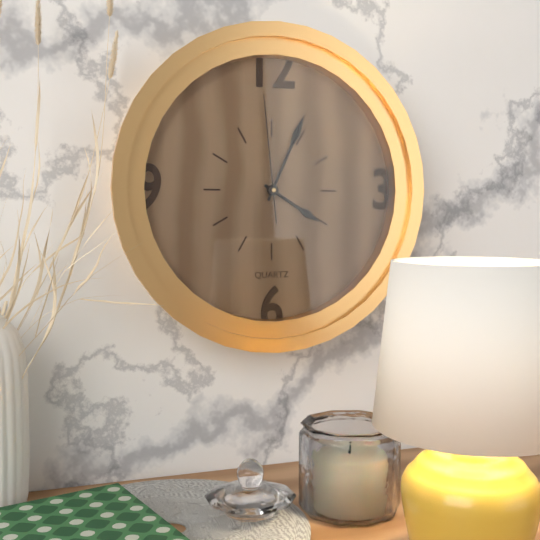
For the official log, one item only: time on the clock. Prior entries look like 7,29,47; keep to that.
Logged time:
4,04,59
